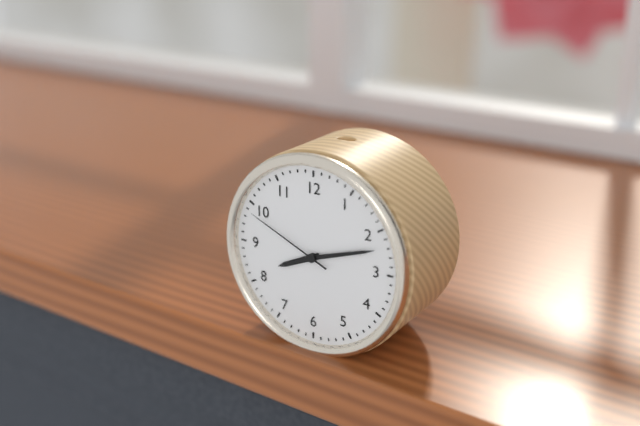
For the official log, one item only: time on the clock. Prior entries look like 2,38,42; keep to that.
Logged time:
8,12,49
